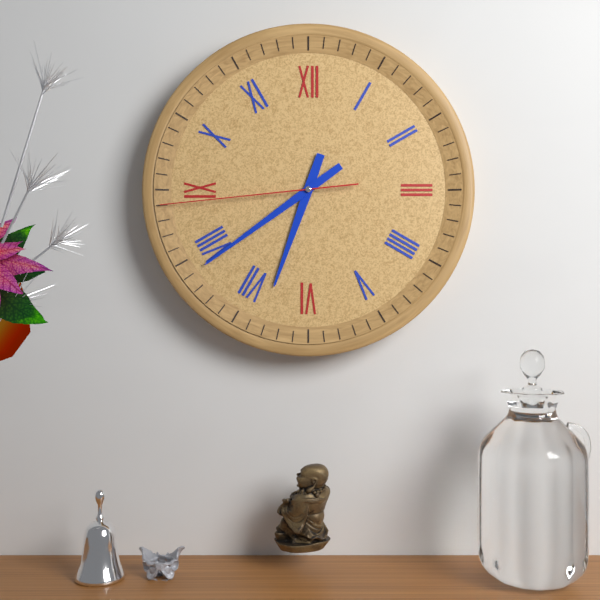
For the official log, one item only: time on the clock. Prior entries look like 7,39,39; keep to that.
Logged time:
6,39,44
